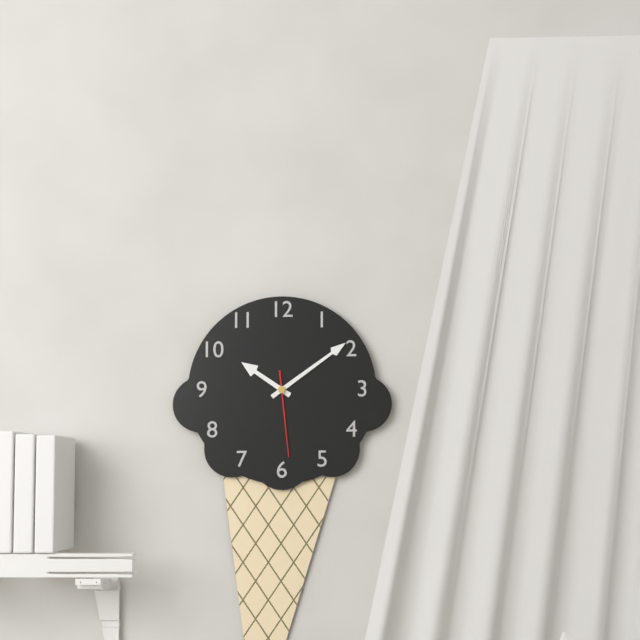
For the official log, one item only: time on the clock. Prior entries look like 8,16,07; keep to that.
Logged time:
10,09,29
